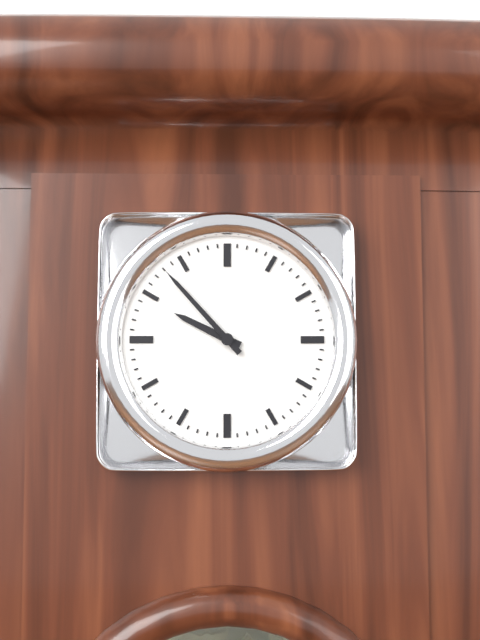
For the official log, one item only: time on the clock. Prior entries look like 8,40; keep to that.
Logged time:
9,53
